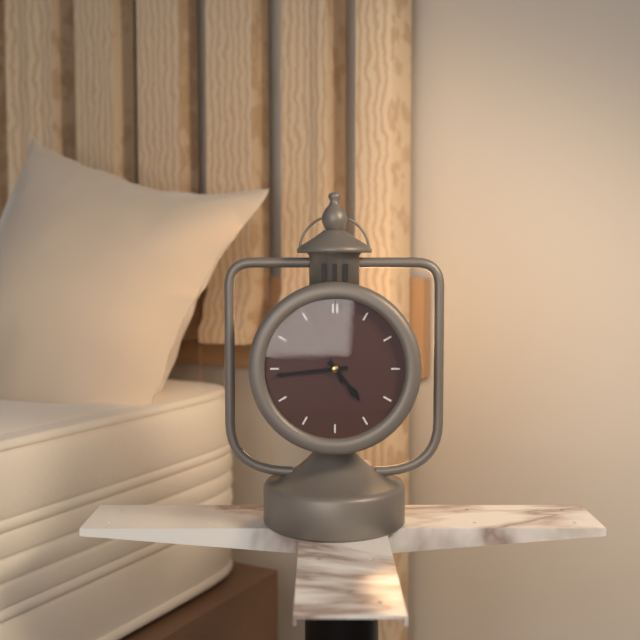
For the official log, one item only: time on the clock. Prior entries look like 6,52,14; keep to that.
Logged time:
4,44,56
